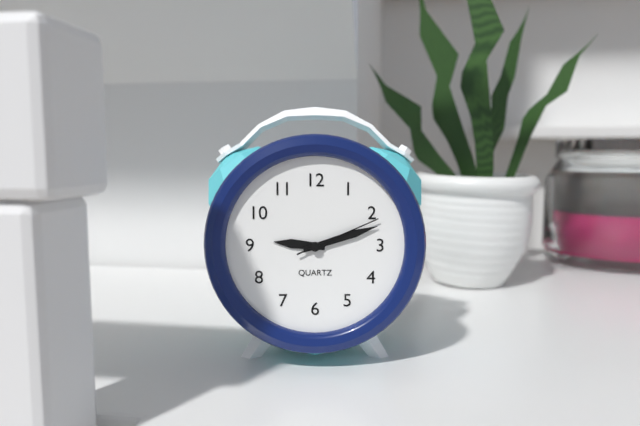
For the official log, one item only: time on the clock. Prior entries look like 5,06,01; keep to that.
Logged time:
9,12,11
